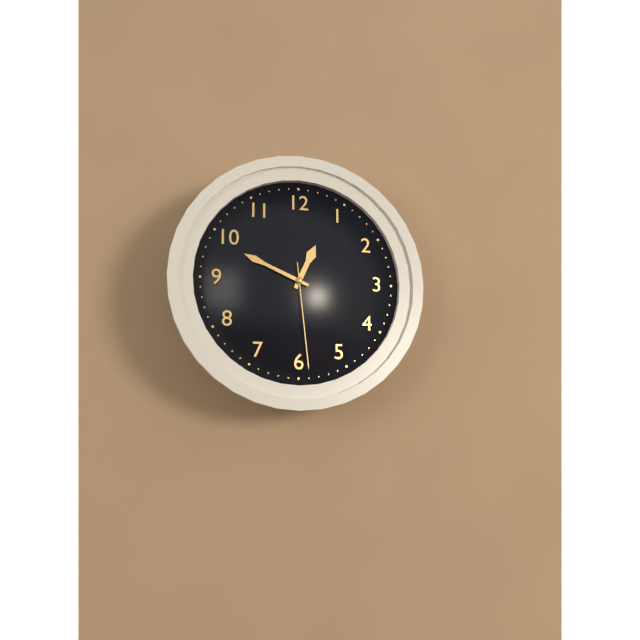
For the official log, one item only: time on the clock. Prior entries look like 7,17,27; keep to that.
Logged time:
12,49,29
